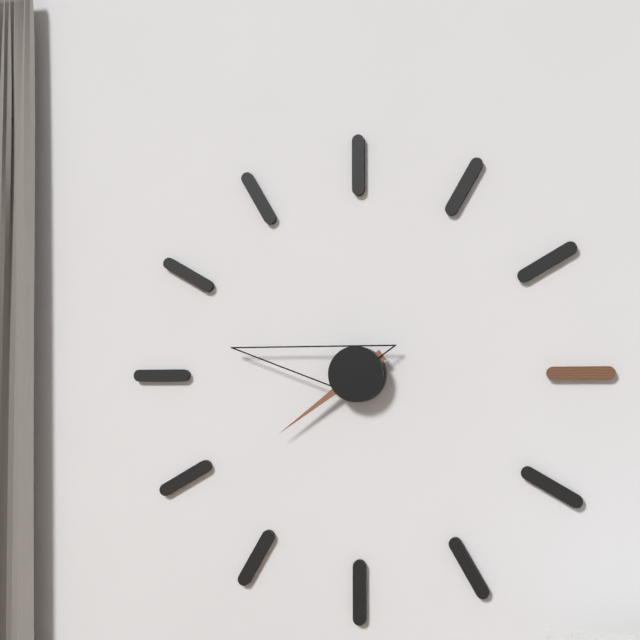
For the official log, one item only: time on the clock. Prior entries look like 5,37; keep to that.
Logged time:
7,47
